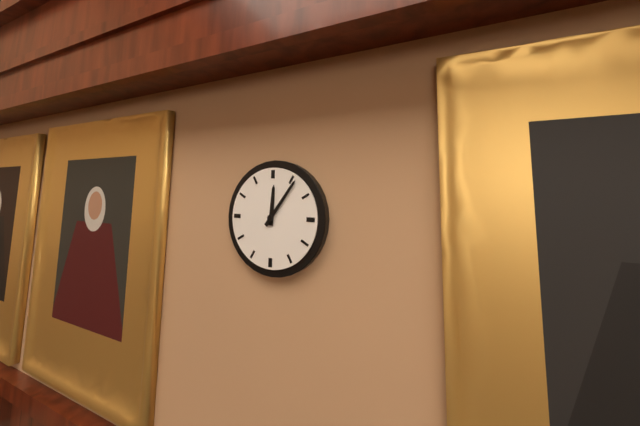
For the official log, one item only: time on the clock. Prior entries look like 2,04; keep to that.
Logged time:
12,06
